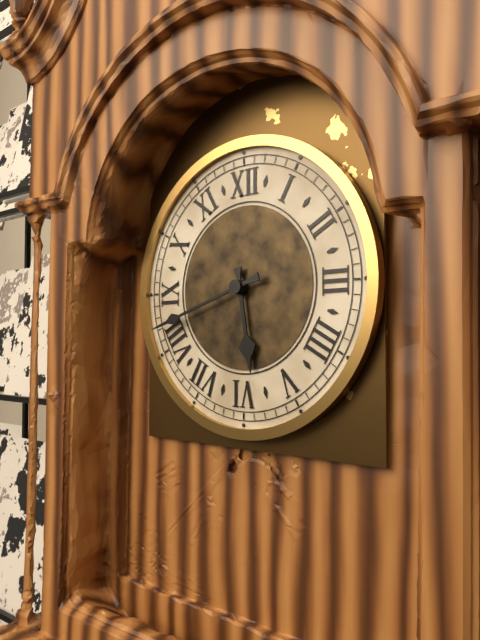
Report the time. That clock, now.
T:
5:42
